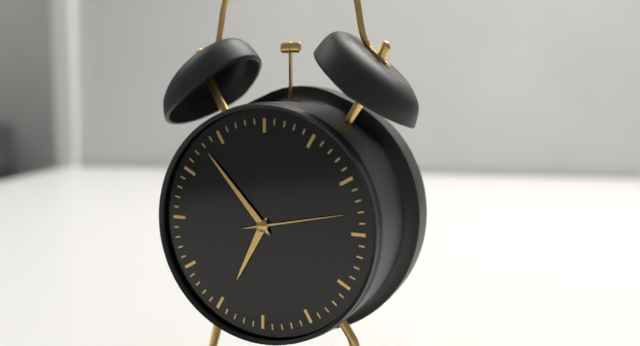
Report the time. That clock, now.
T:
6:53:13
